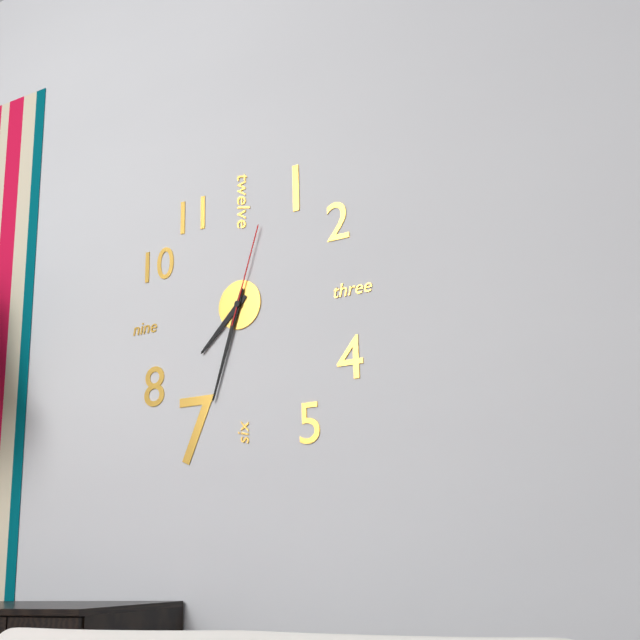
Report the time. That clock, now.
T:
7:33:03
